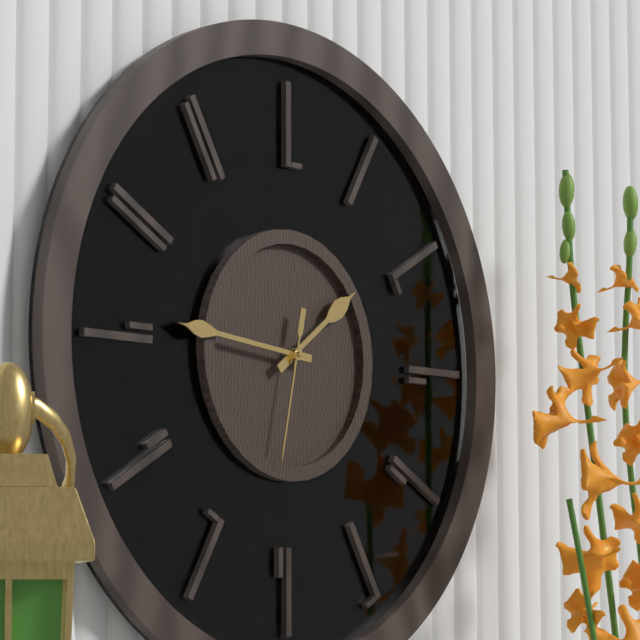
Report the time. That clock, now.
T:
1:46:32
